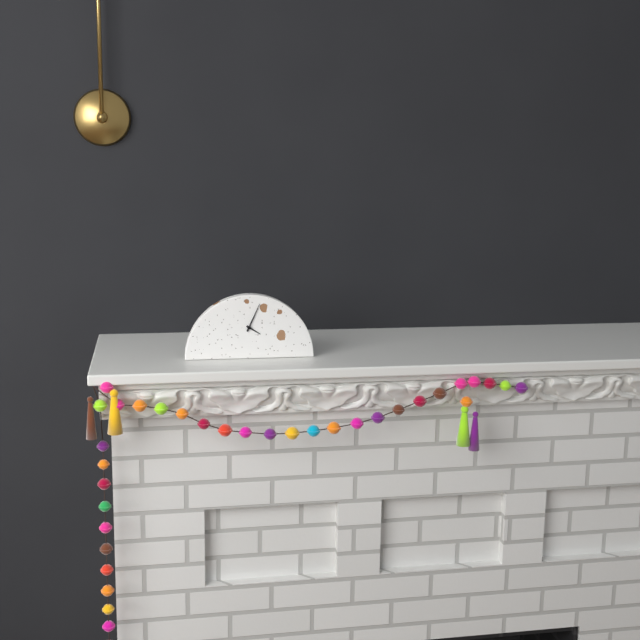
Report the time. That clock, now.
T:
4:04
